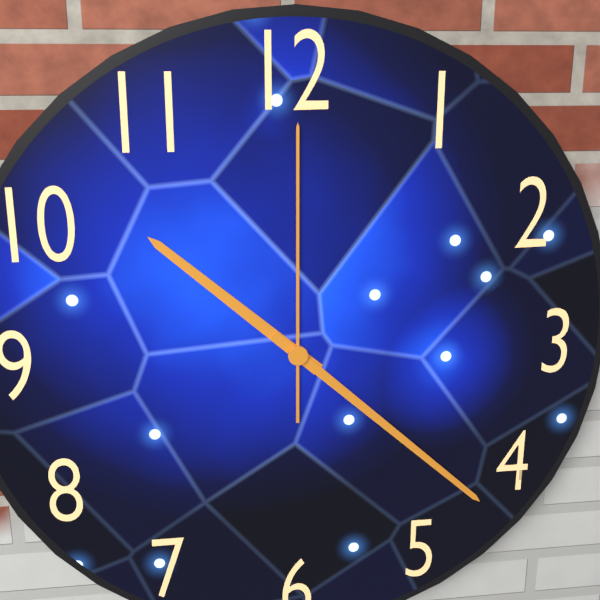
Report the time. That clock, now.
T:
10:22:00
